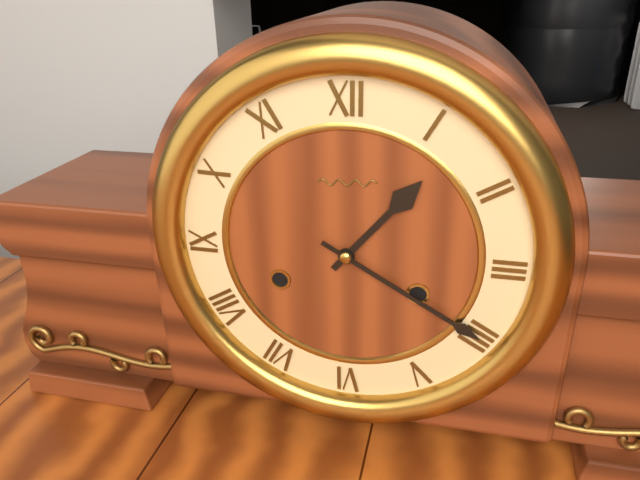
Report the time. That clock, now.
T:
1:20
